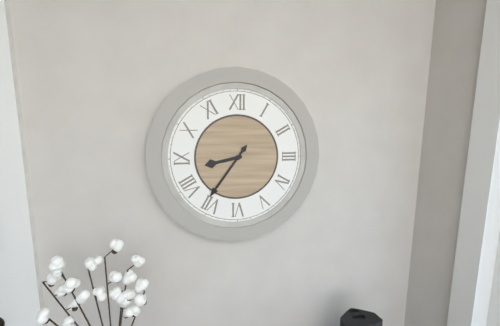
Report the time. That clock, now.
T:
8:36
